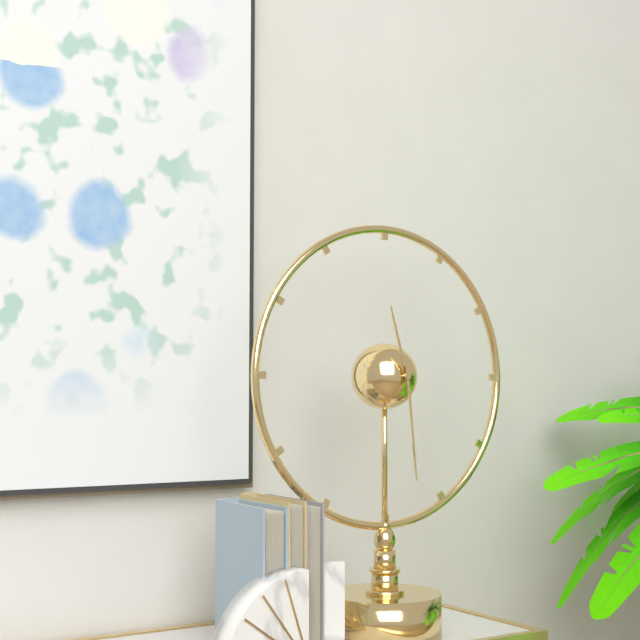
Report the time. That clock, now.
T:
11:29
